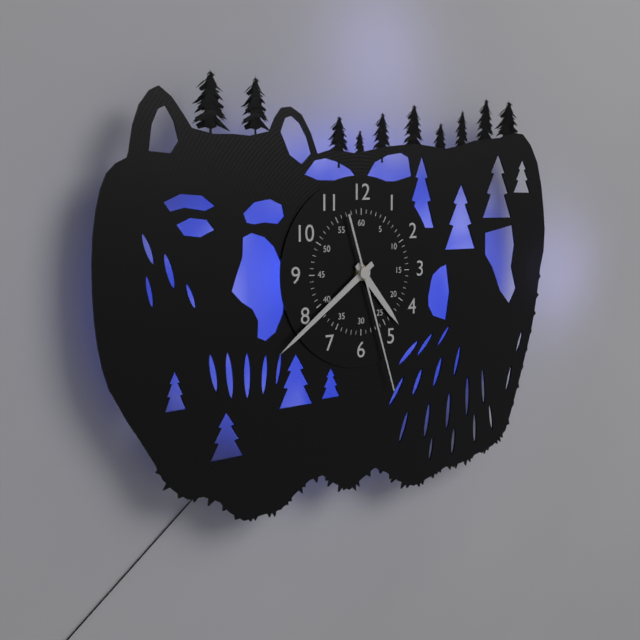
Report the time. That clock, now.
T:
4:39:27
